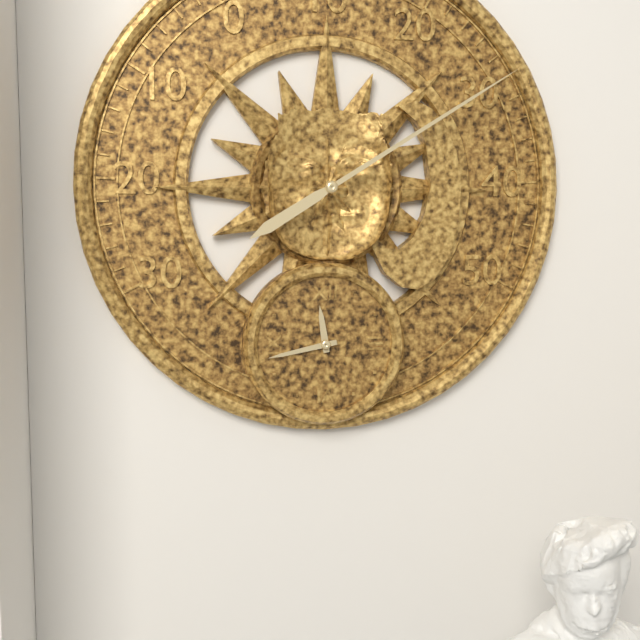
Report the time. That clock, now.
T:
11:43
